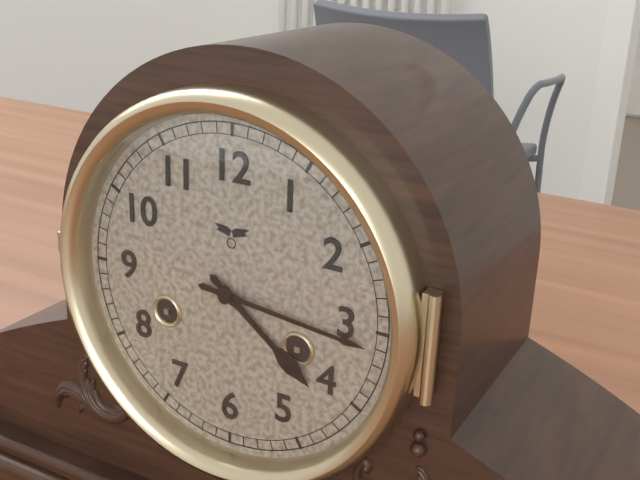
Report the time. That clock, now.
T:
4:16
